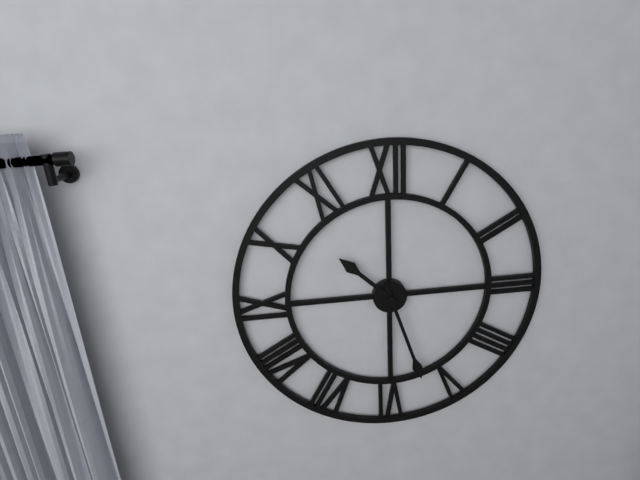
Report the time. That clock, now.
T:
10:27
